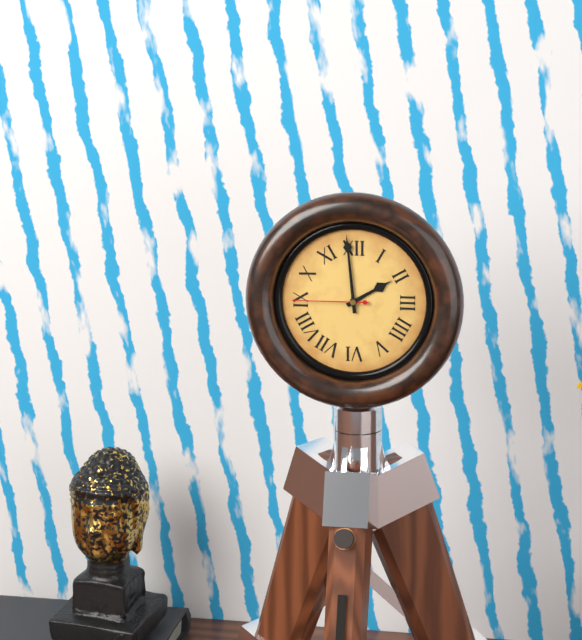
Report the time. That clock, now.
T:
1:59:45
